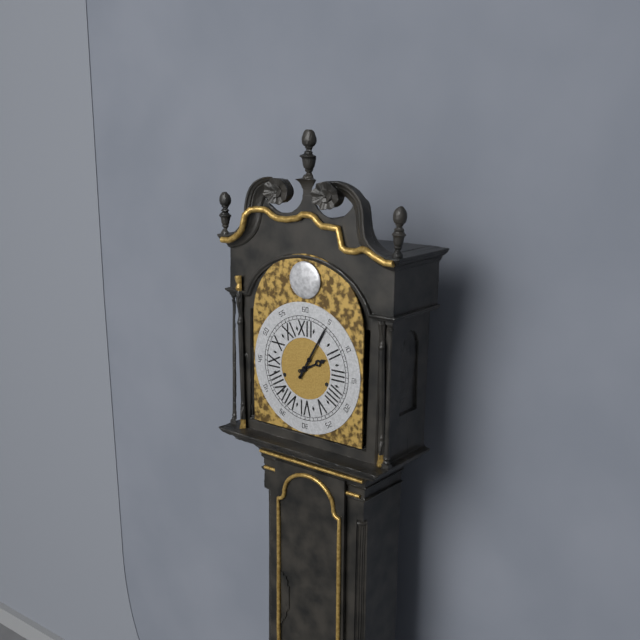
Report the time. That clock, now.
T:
2:05
